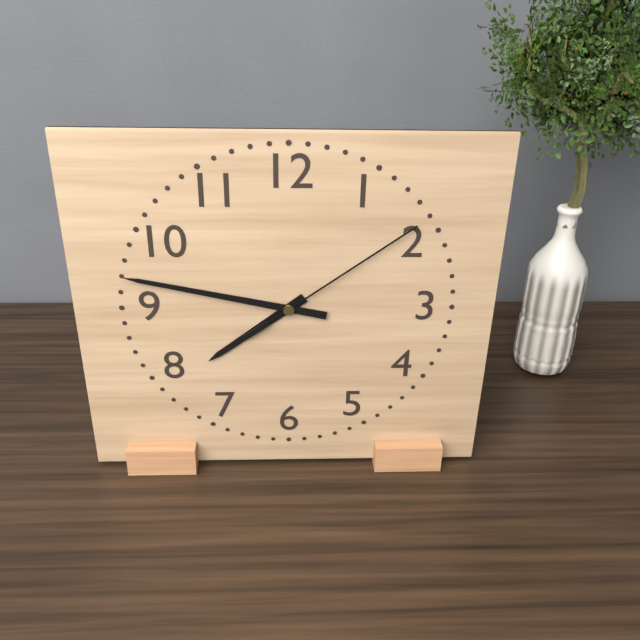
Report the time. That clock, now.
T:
7:47:09
